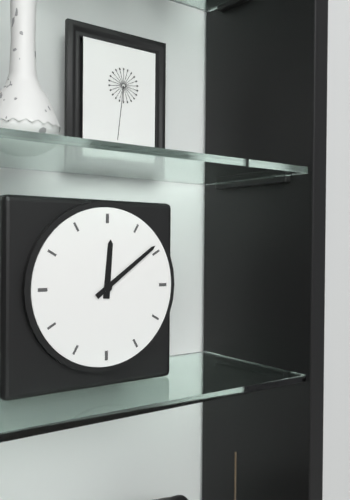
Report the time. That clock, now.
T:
12:09
